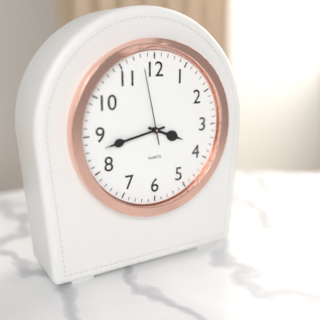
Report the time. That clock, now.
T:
3:43:58
